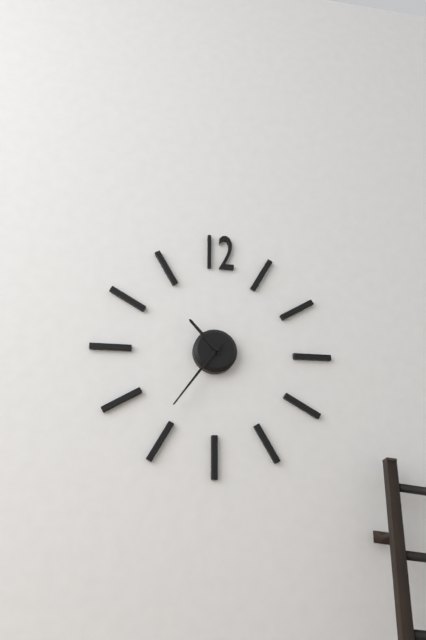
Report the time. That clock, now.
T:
10:36
